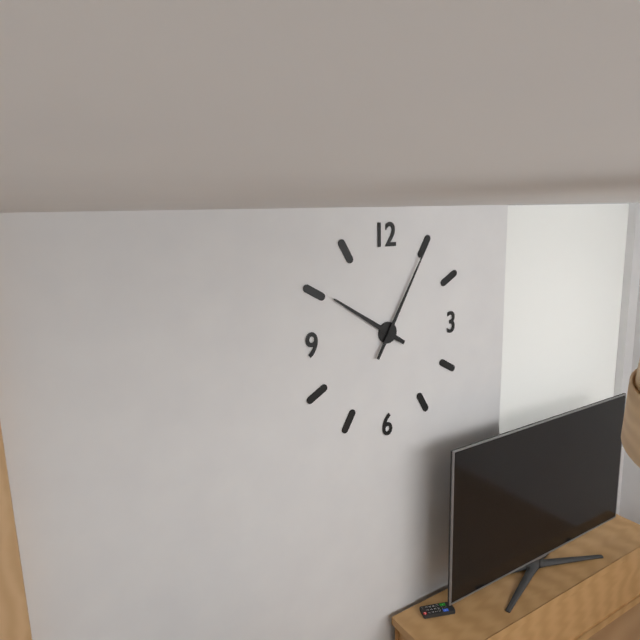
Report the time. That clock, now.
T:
10:05
